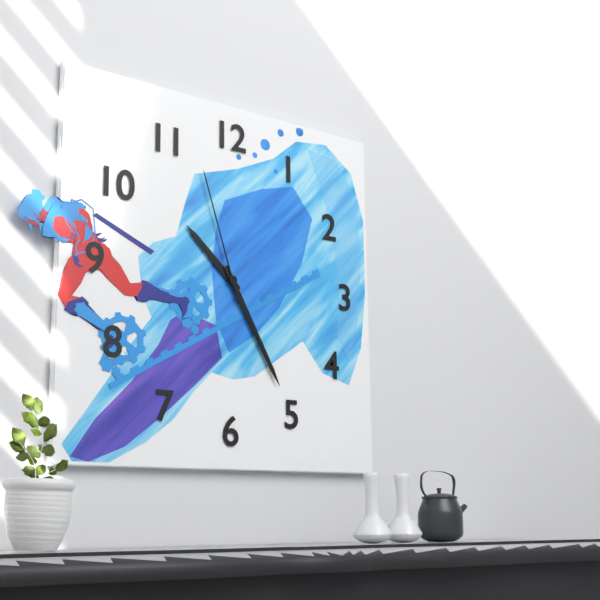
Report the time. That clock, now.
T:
10:25:57
